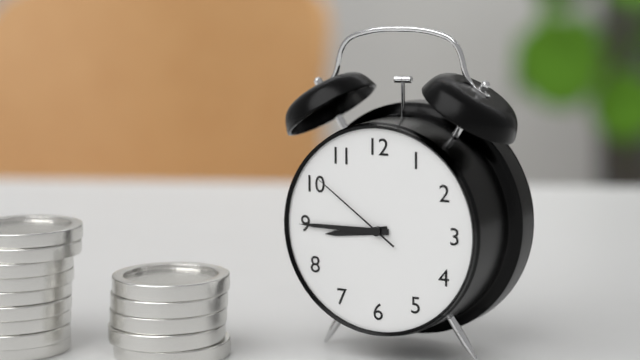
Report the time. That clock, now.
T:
8:45:51
